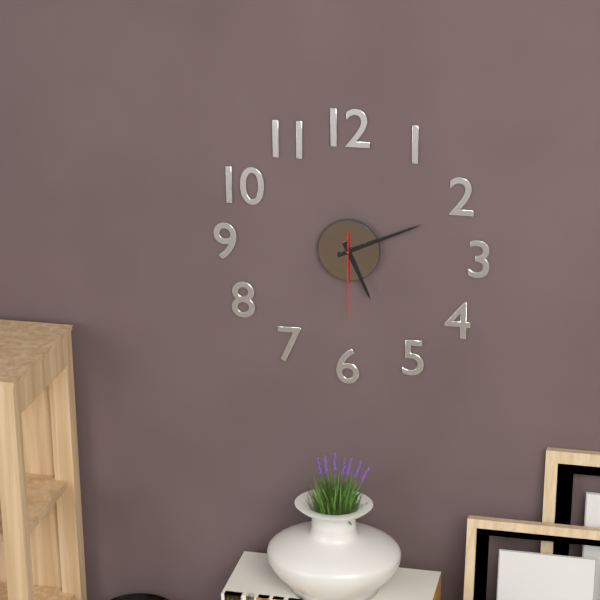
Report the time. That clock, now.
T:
5:11:30
